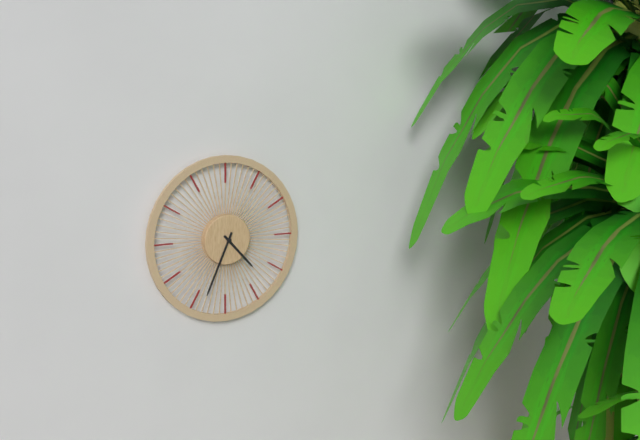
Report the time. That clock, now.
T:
4:34
